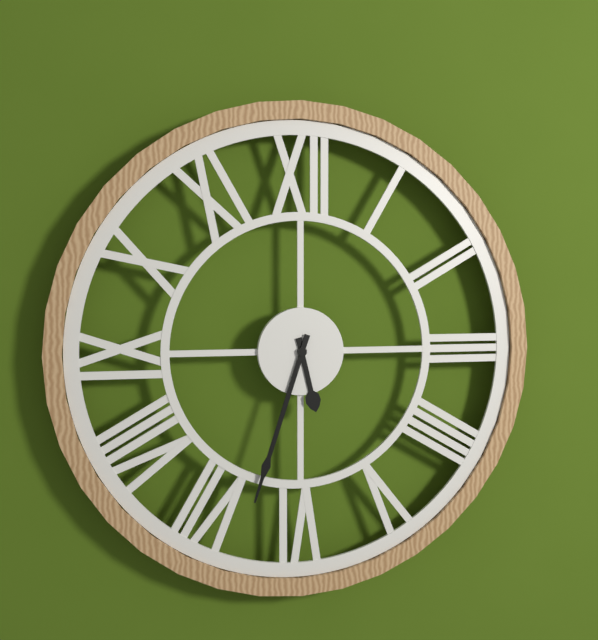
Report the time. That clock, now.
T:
5:33
